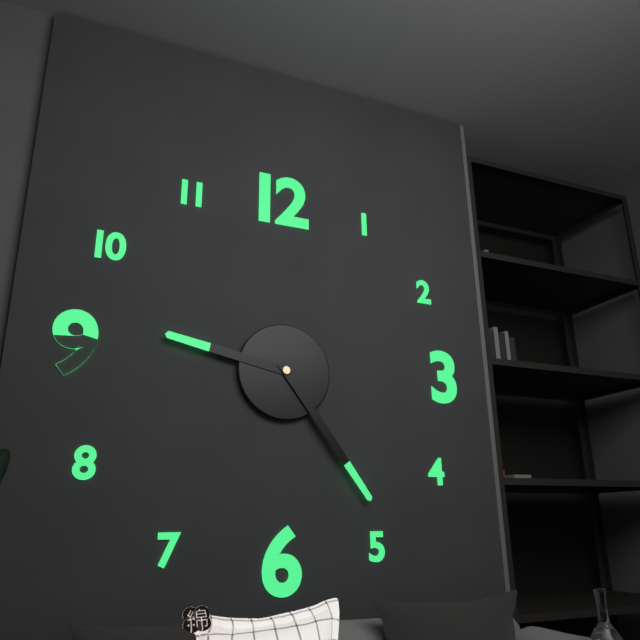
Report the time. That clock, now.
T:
9:24
